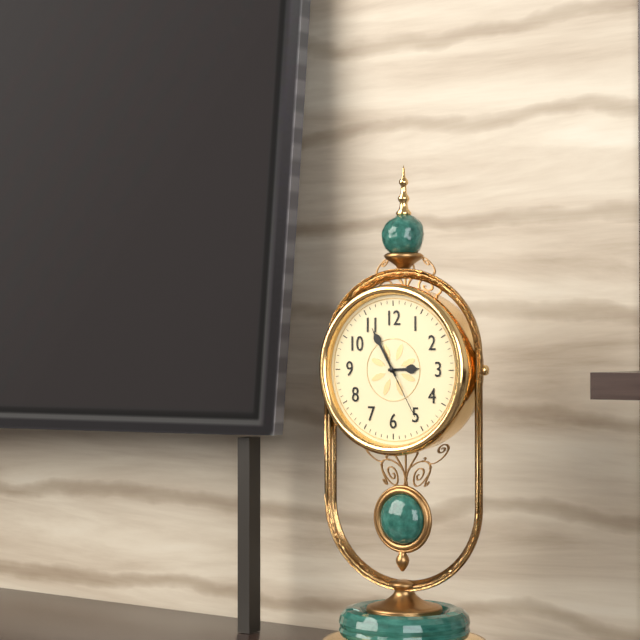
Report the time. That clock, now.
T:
2:55:25
